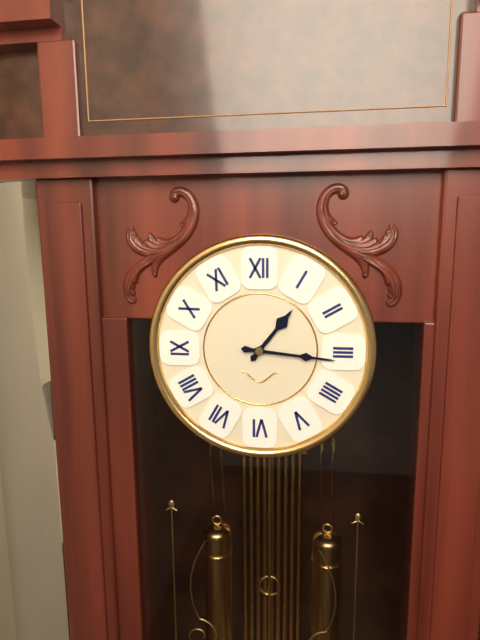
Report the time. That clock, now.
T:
1:16
